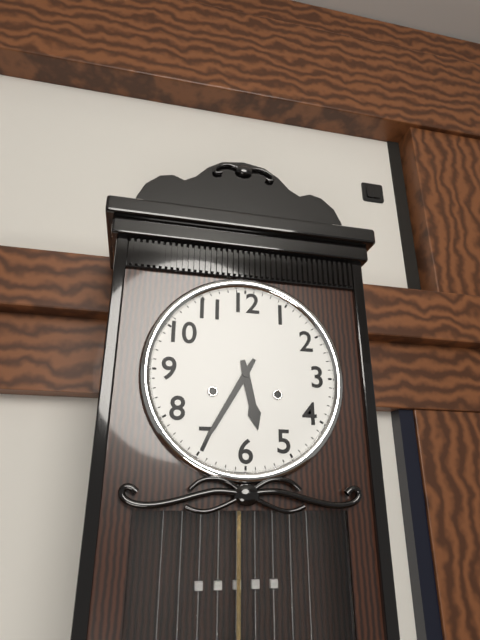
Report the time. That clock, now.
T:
5:35
